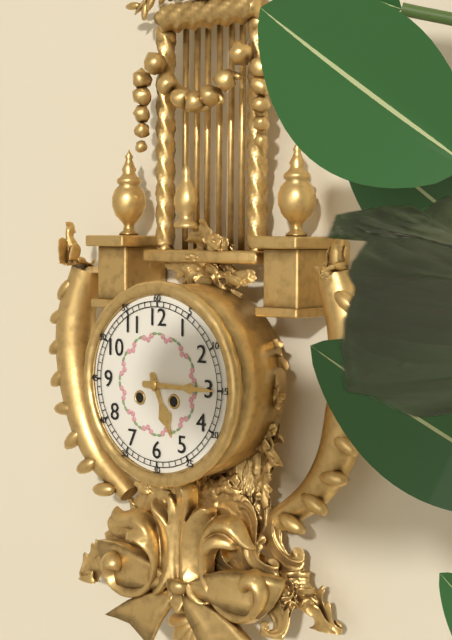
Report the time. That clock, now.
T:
5:15
